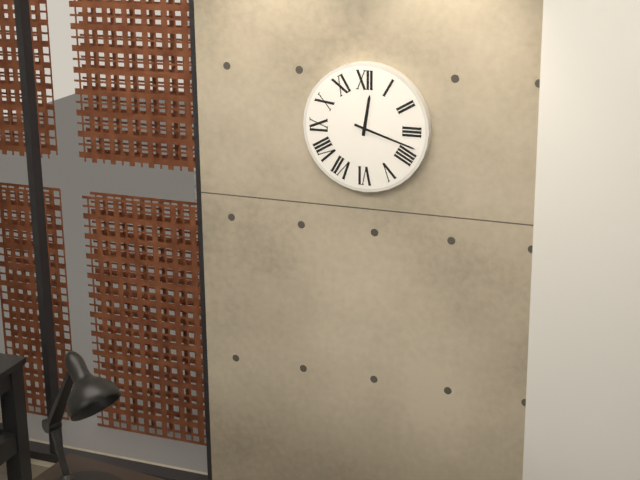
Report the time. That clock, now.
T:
12:18
